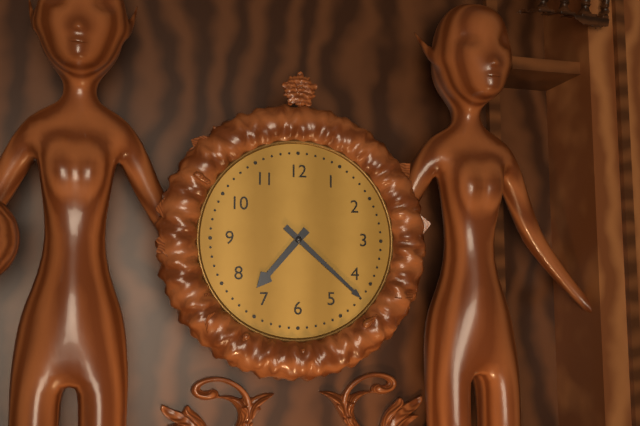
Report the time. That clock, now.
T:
7:22
